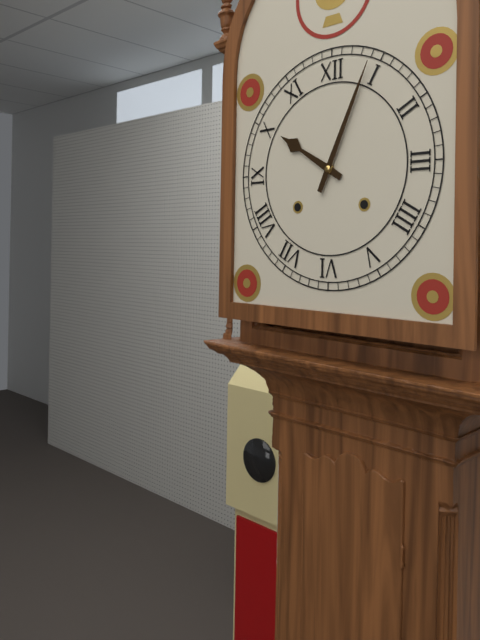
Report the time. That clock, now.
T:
10:04
